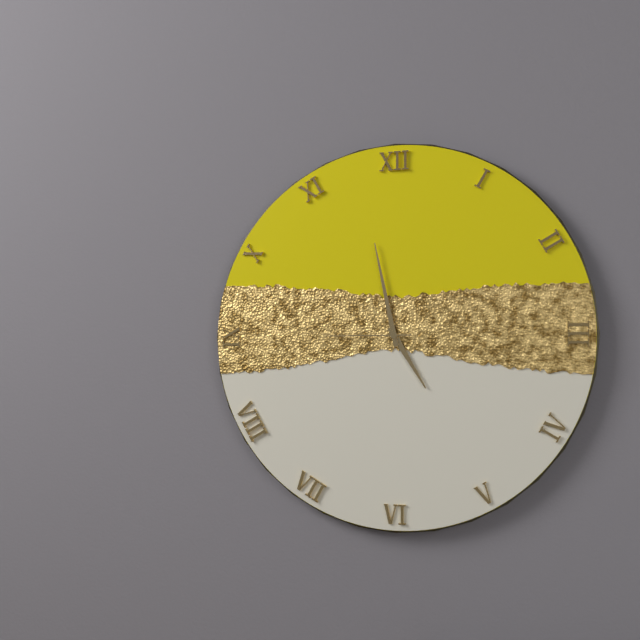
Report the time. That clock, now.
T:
4:58:45
